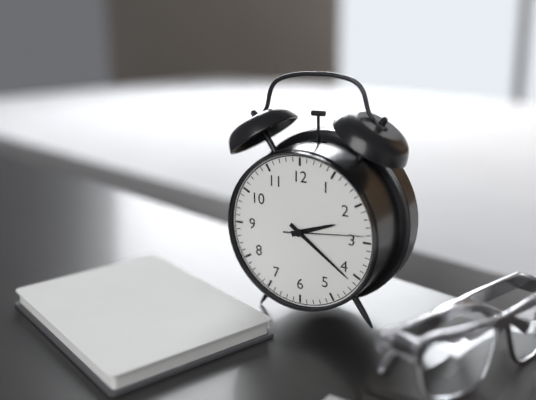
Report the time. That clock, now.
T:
2:21:14
